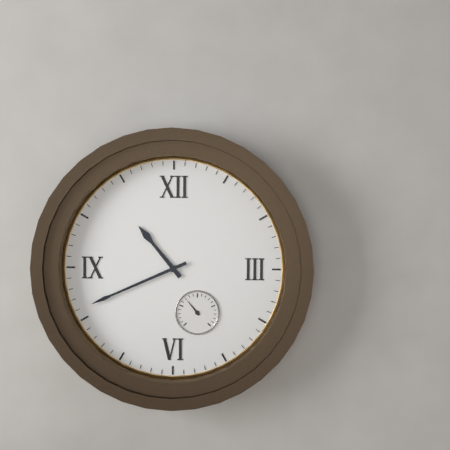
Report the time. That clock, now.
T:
10:41
